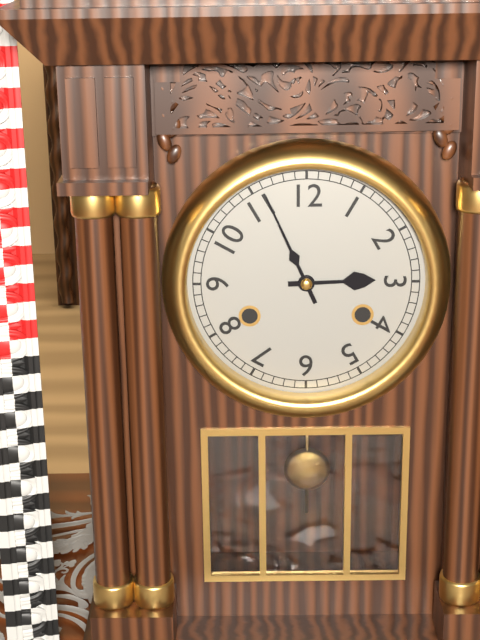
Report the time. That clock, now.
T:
2:56
